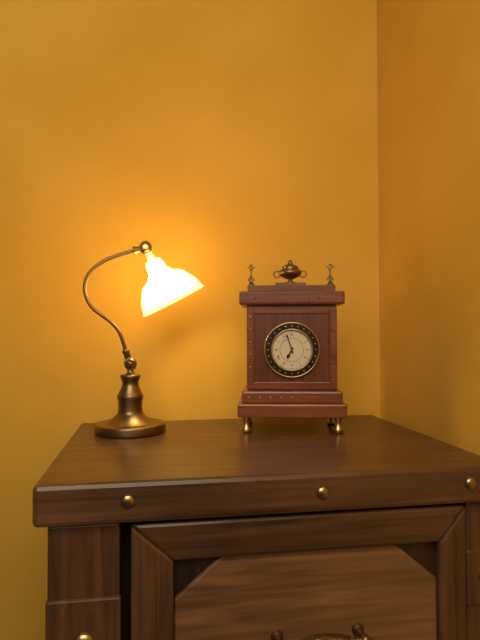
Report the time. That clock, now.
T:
6:57
